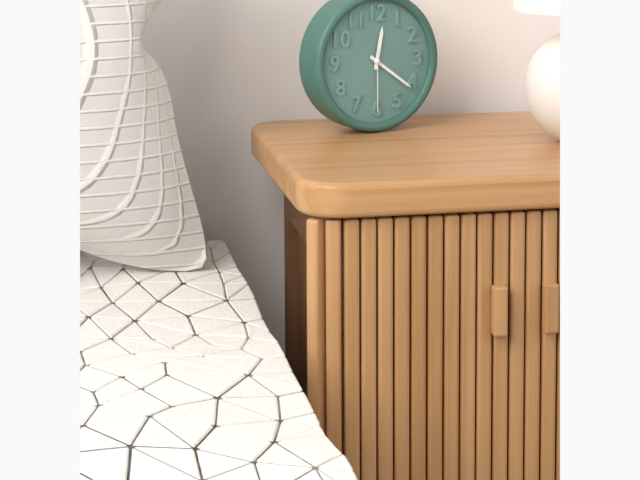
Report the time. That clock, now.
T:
12:21:30
